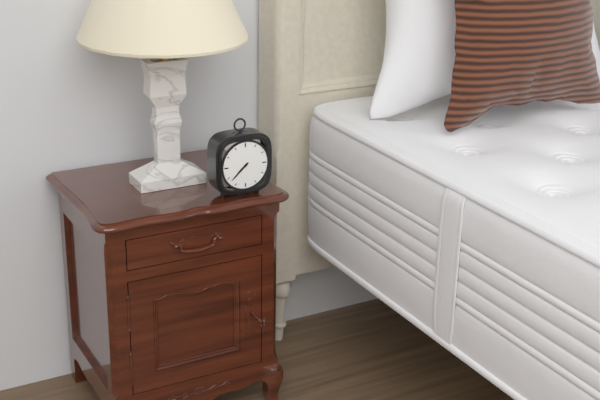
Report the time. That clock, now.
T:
7:38
